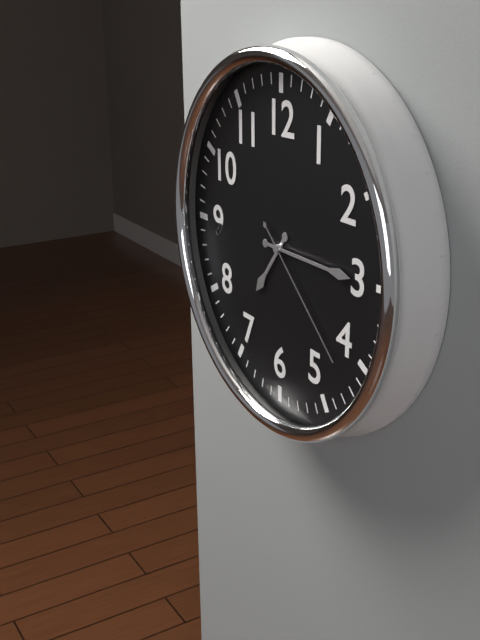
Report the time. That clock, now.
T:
7:15:22
